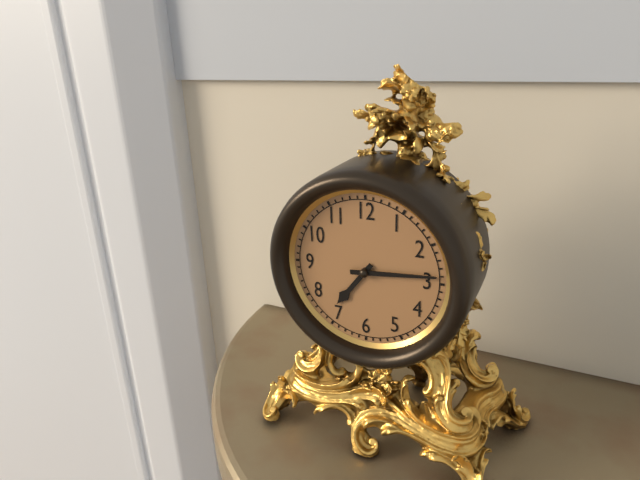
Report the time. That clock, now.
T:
7:14
